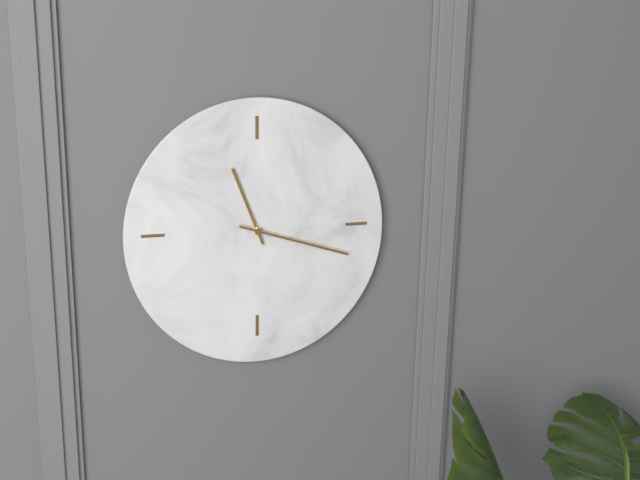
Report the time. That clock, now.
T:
11:18
